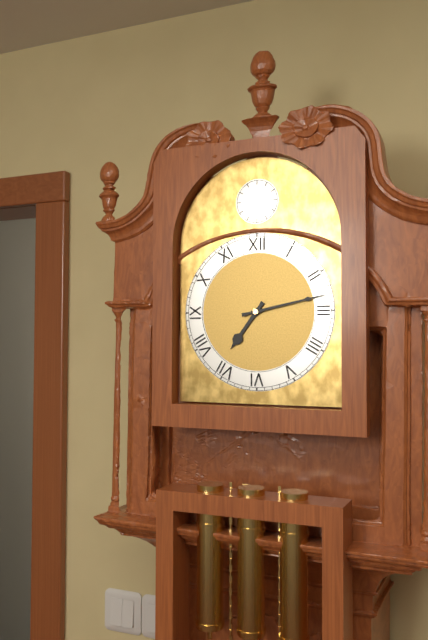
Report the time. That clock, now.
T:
7:13
